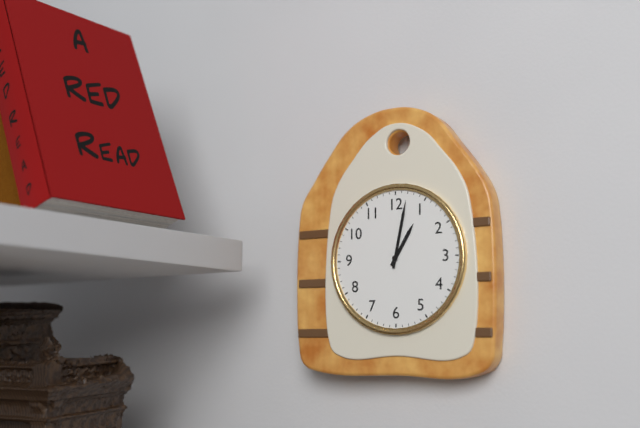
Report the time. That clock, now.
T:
1:02
